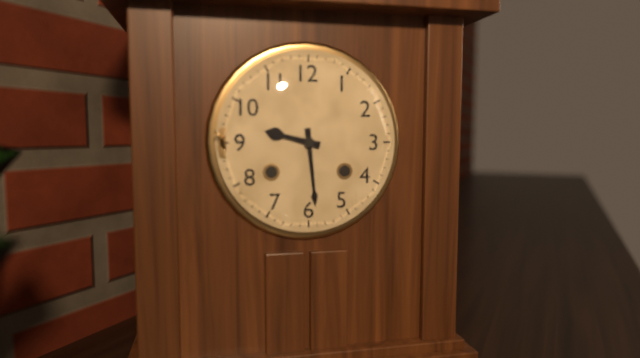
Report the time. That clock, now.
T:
9:29
